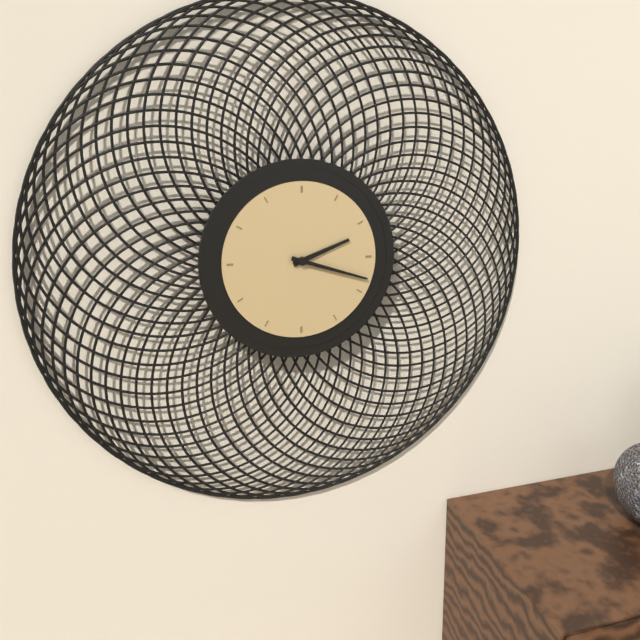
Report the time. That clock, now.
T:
2:18
